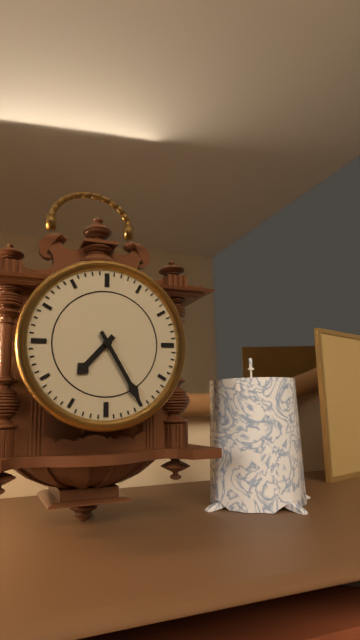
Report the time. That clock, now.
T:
7:25
